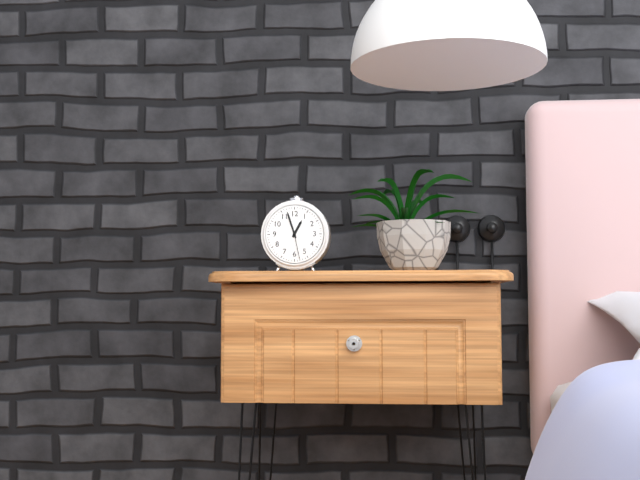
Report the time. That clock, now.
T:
12:57
